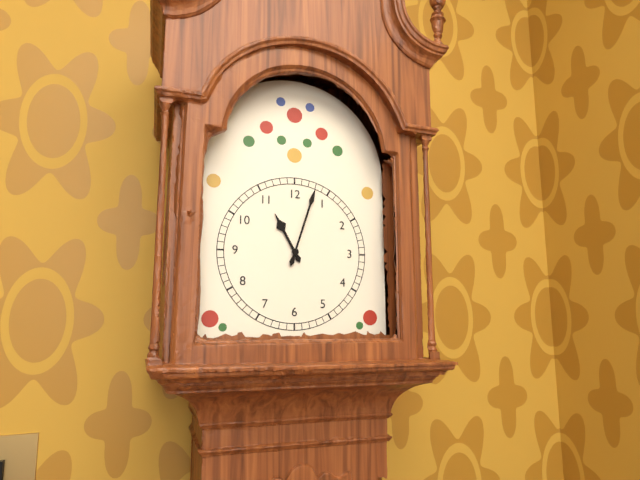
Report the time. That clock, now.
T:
11:03
